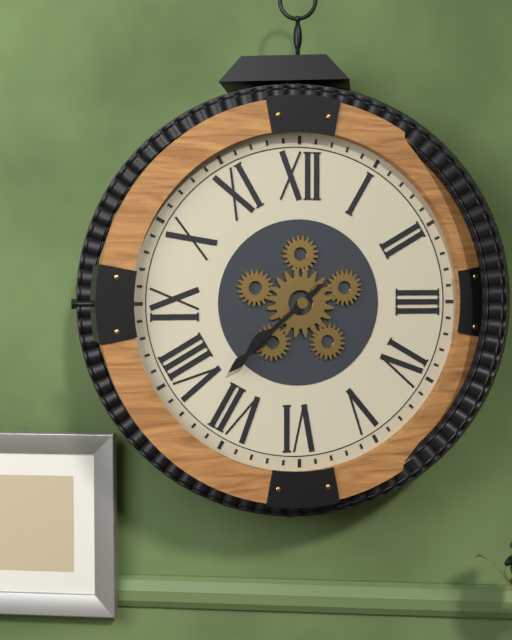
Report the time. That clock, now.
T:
7:38
